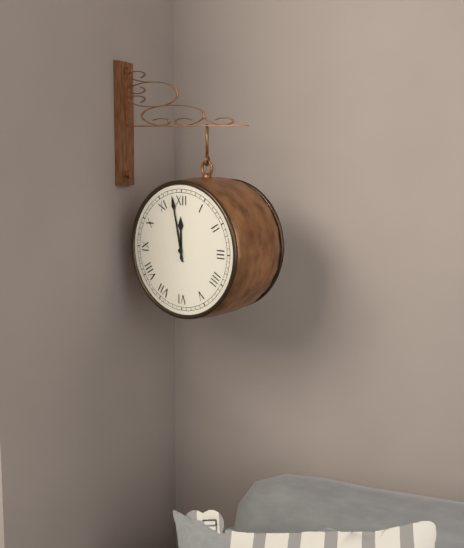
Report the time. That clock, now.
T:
11:58
